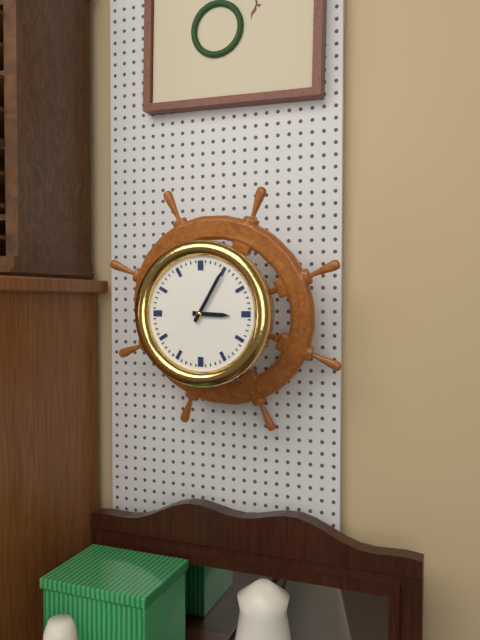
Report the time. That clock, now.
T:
3:05
